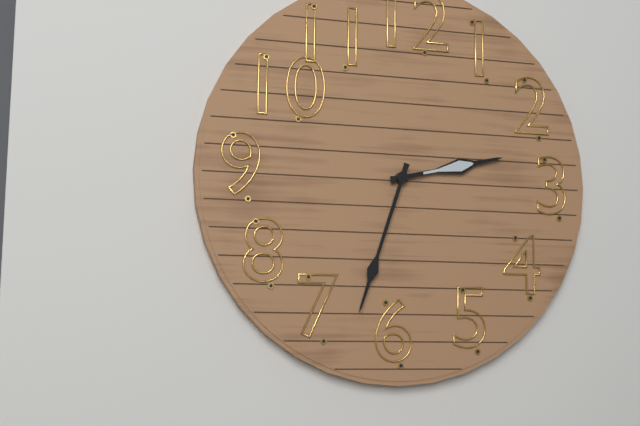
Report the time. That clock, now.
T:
2:33
